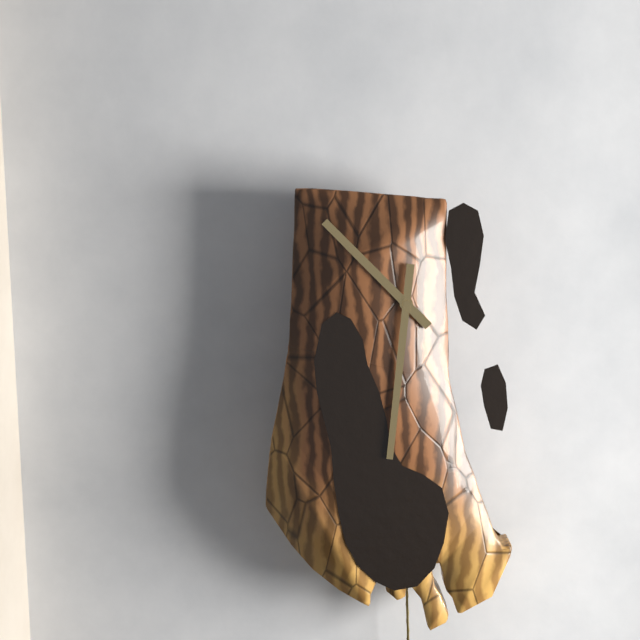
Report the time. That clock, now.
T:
10:31
